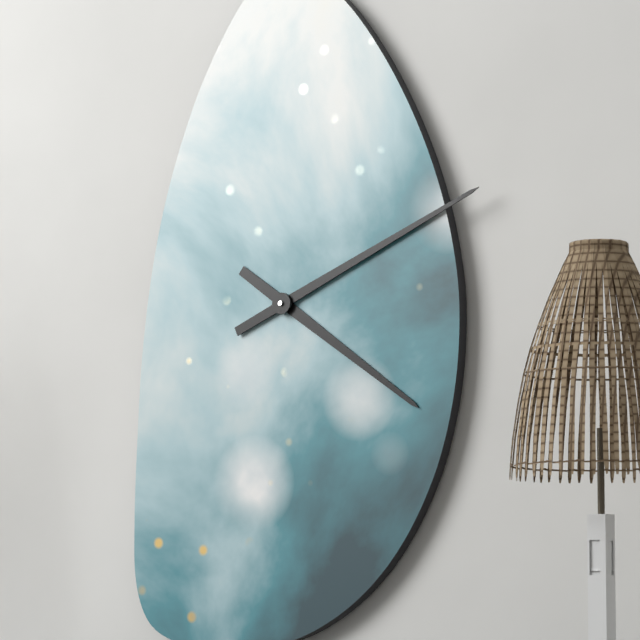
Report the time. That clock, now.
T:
4:11
